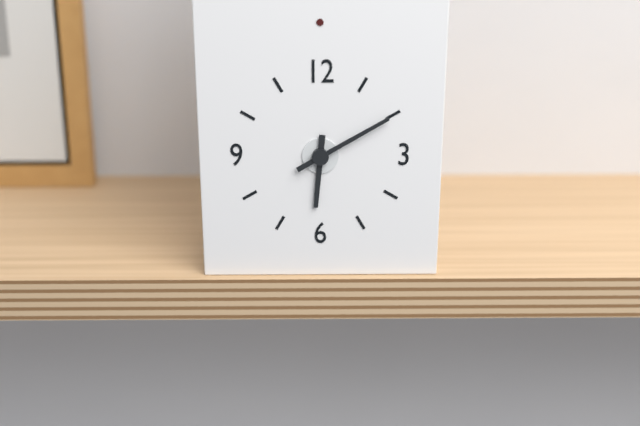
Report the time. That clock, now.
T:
6:10
